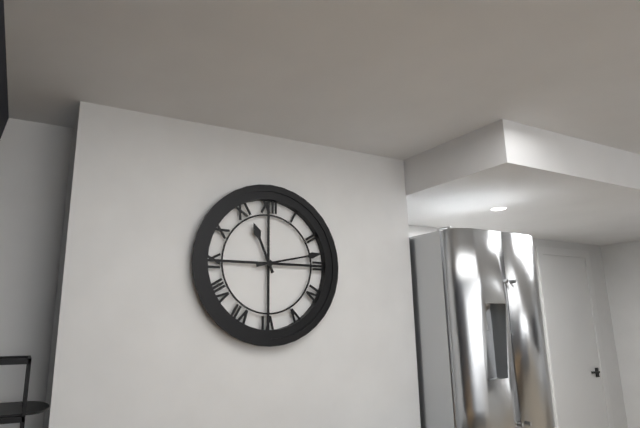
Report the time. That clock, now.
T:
11:13
